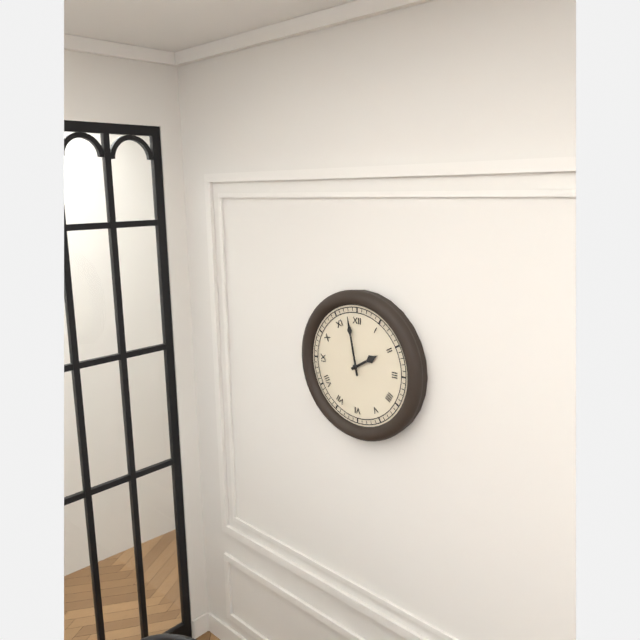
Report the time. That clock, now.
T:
1:58
